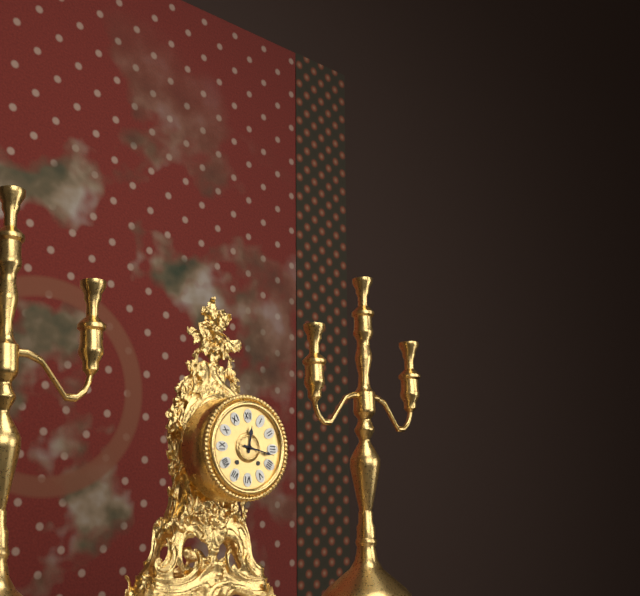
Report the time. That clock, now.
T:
12:17
